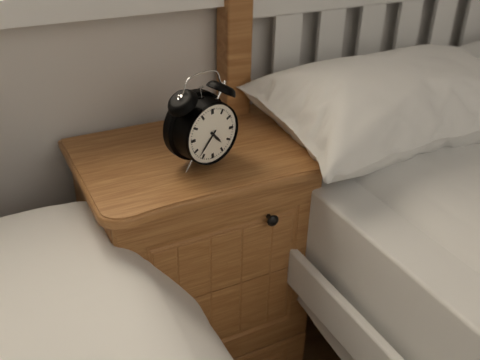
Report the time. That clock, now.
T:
4:37
